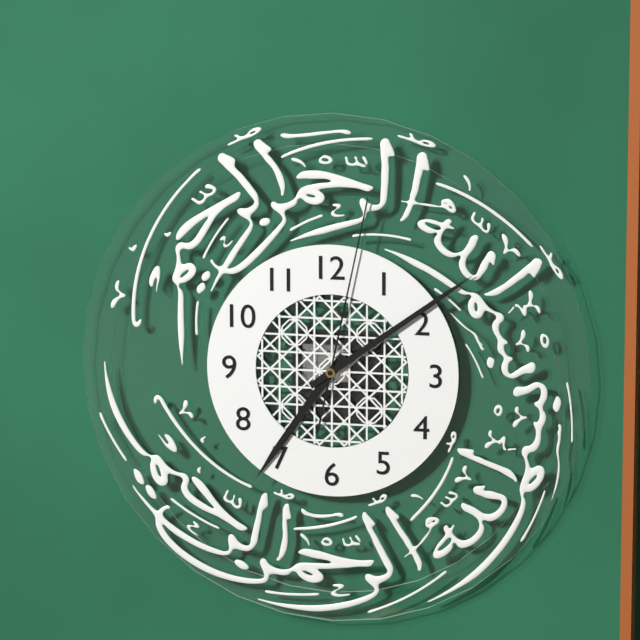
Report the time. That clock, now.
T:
7:09:02
